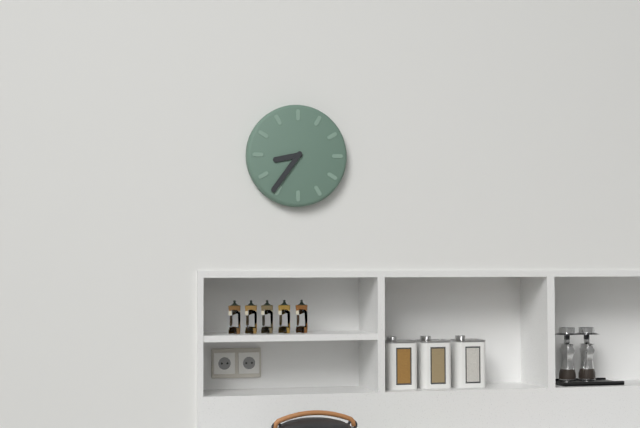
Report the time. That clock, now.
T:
8:36
